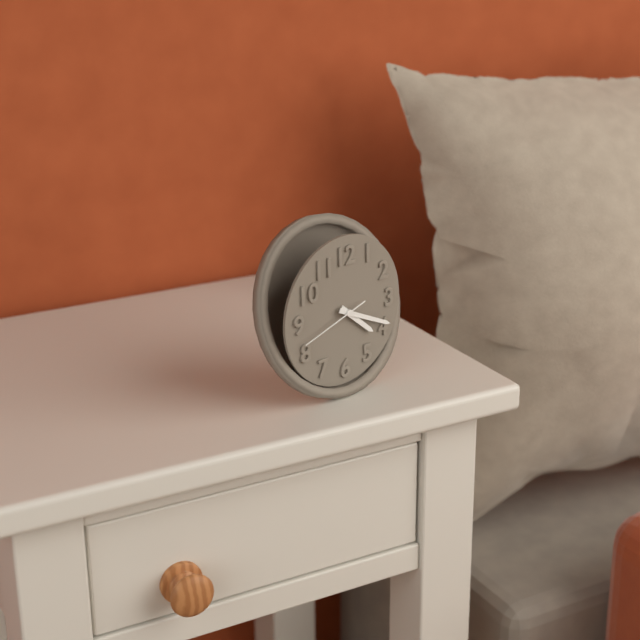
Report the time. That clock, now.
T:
4:19:42
